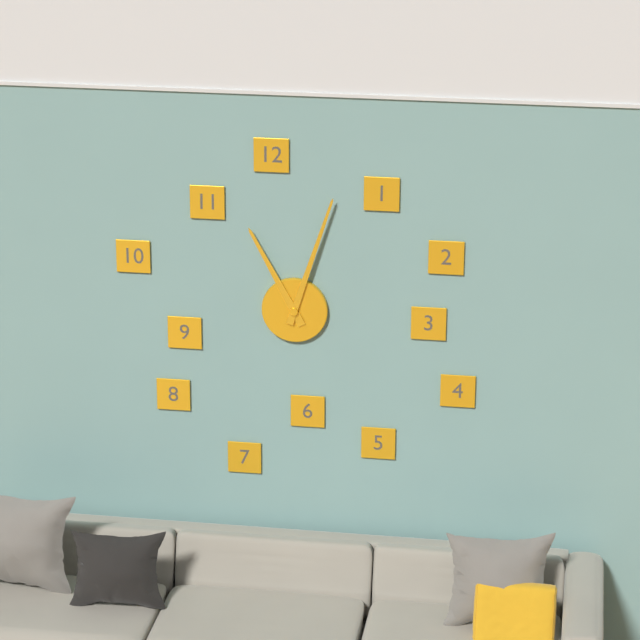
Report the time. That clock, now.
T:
11:03
